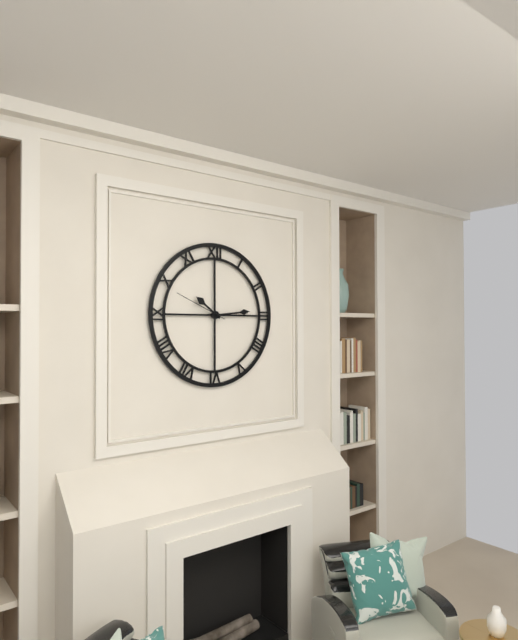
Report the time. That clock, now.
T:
10:14:49
